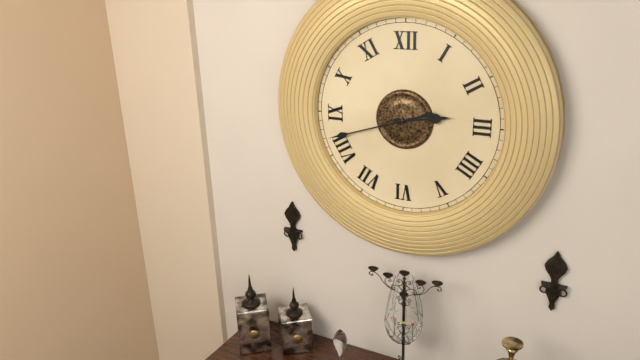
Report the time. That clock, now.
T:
2:42
